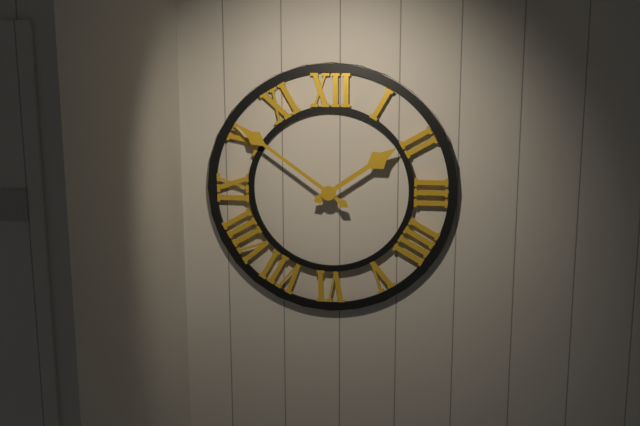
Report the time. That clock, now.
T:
1:51
